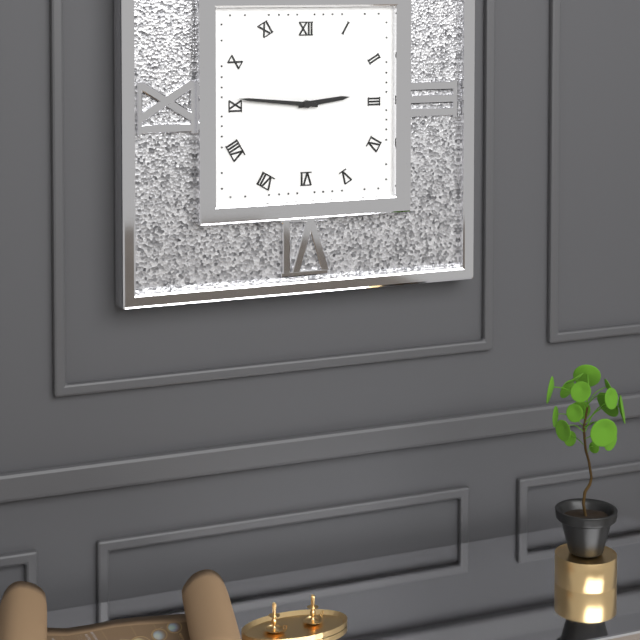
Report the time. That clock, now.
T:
2:46
